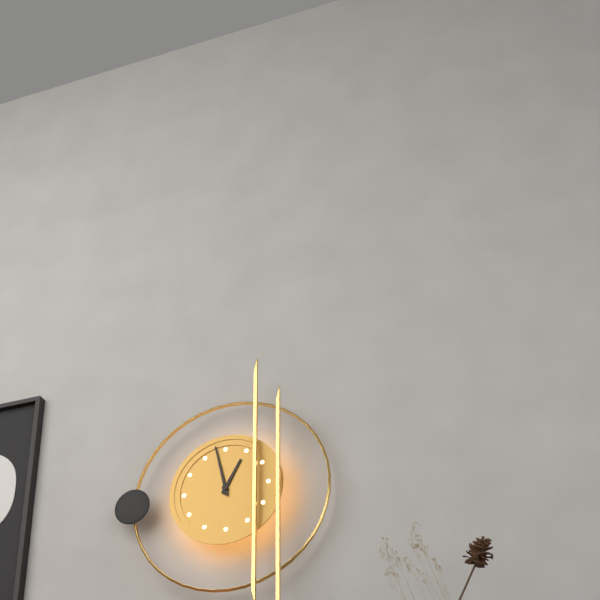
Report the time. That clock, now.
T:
12:58
